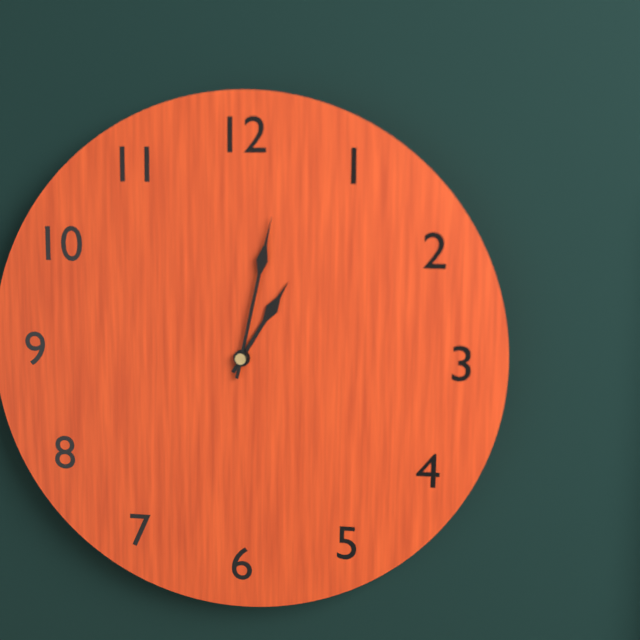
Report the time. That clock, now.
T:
1:02
